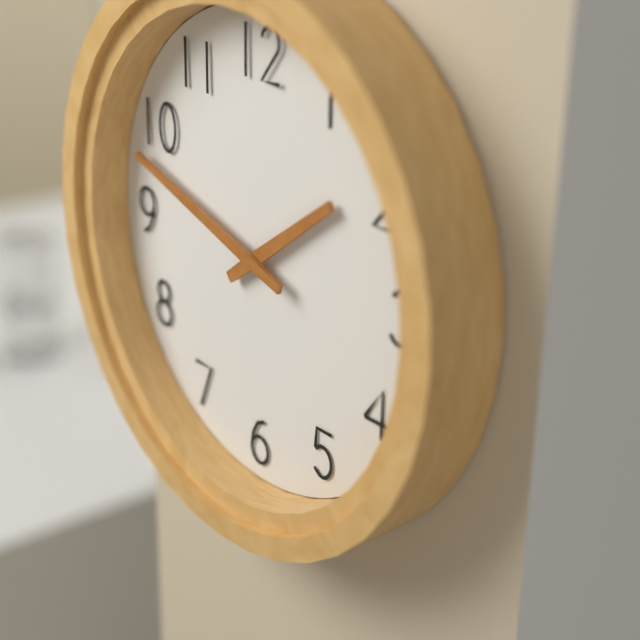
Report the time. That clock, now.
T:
1:48
